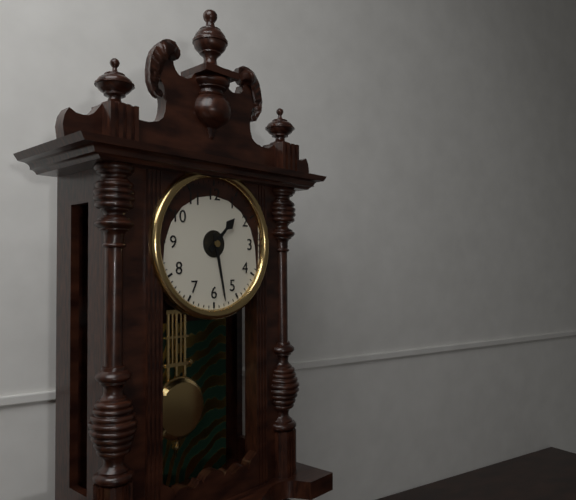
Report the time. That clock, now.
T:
1:28
